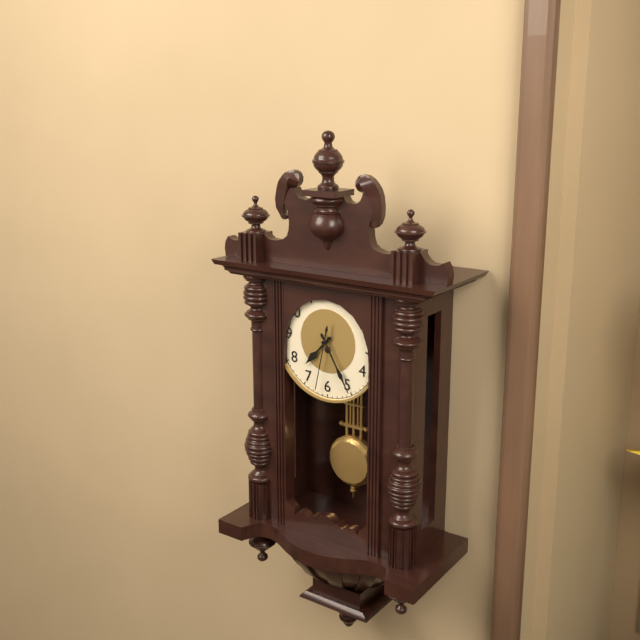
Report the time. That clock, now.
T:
7:25:32
